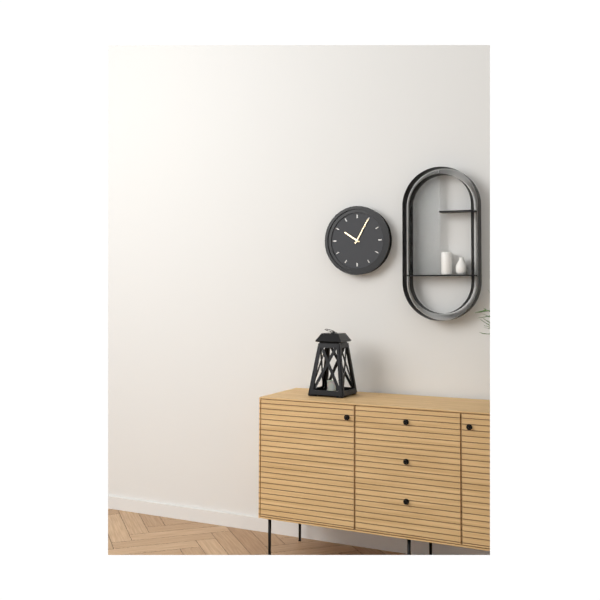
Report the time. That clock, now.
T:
10:05
